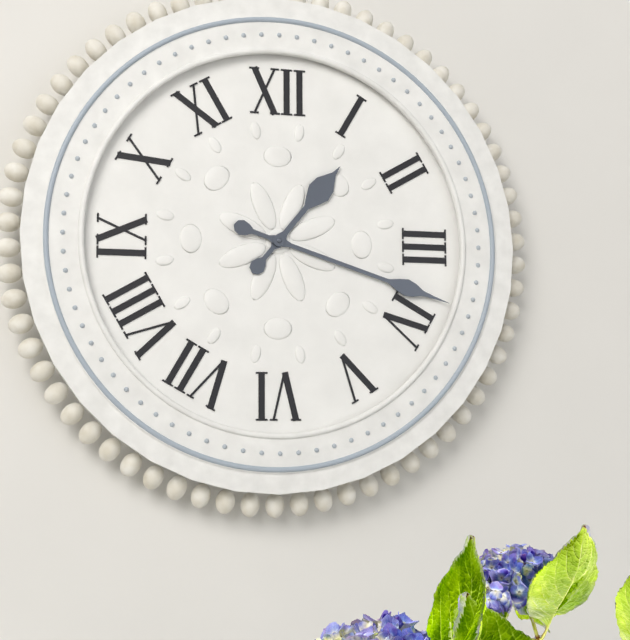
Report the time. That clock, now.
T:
1:18
